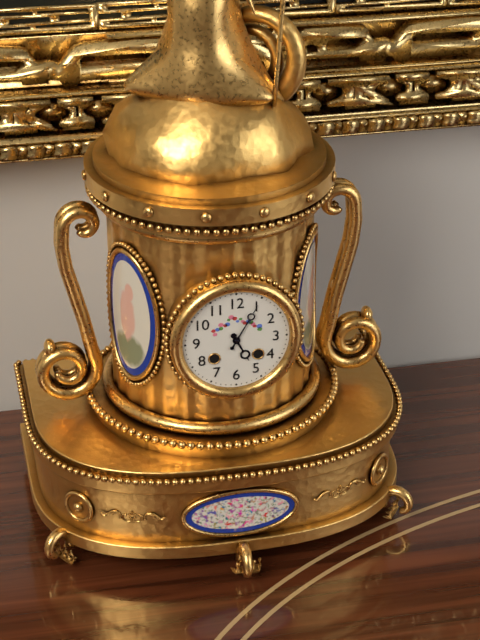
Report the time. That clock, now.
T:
5:05
